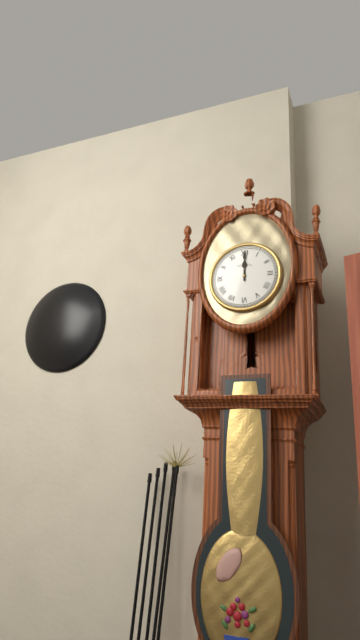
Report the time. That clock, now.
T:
12:00
